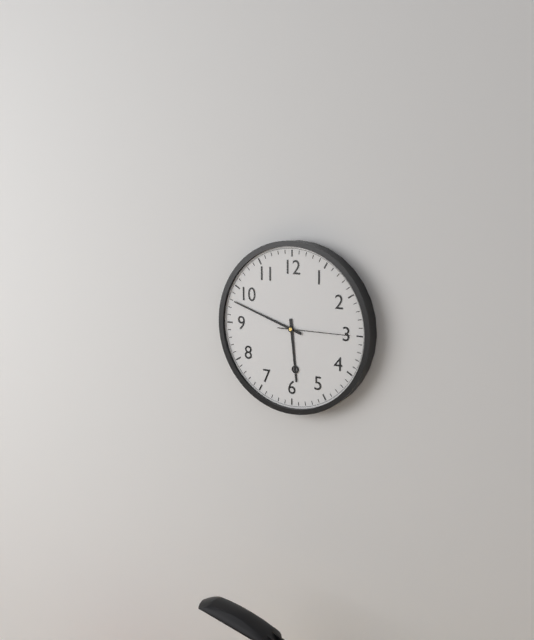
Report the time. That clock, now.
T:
5:48:15
